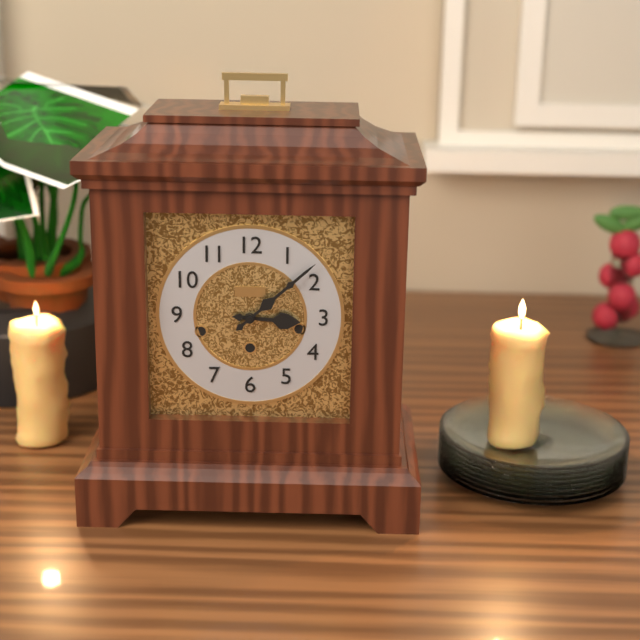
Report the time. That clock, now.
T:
3:08
